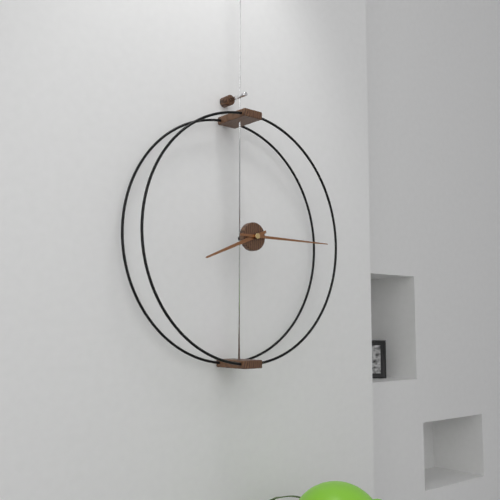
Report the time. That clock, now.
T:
8:15
